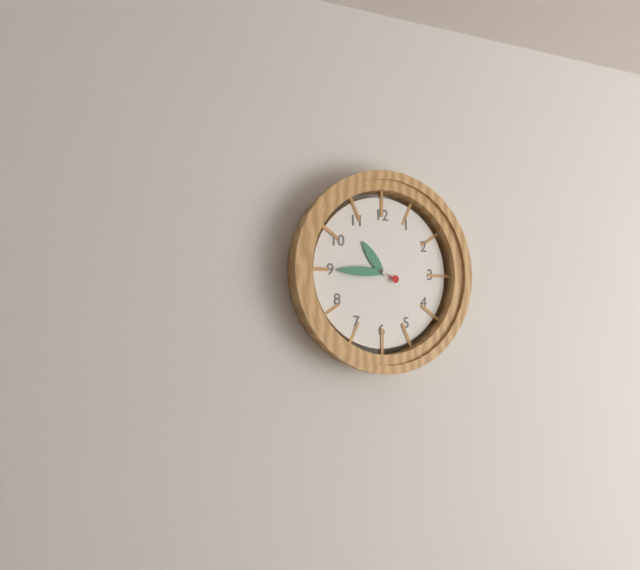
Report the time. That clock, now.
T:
10:45
